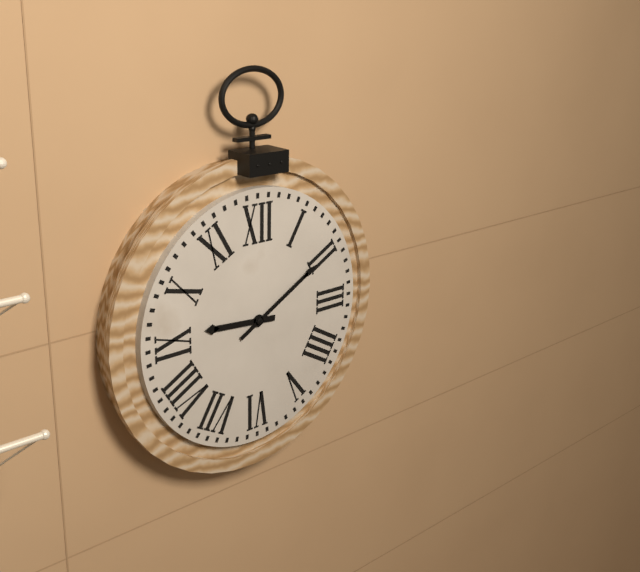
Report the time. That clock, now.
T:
9:10
